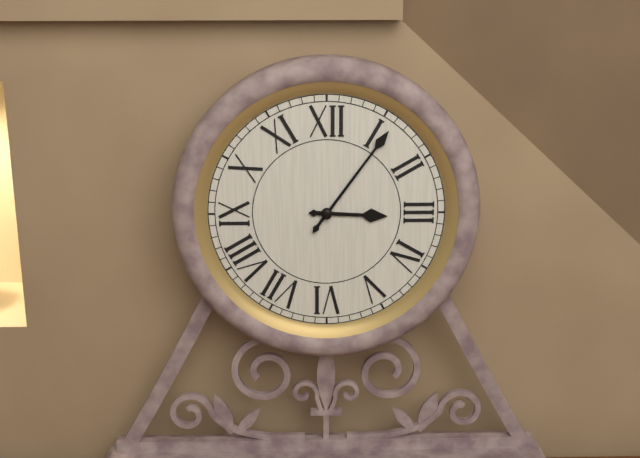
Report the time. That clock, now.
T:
3:06
